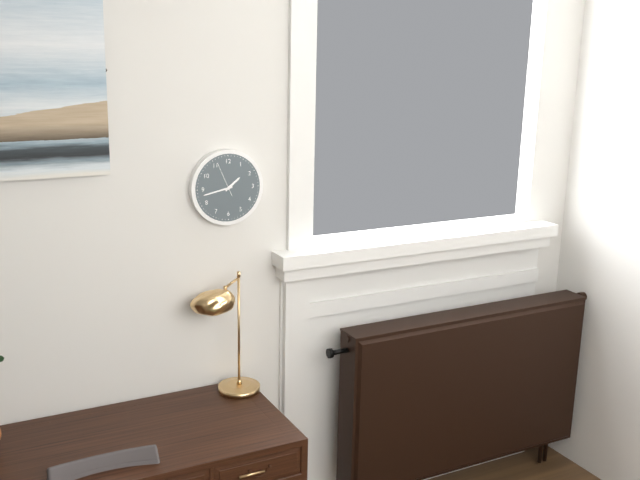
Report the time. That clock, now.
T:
1:43
